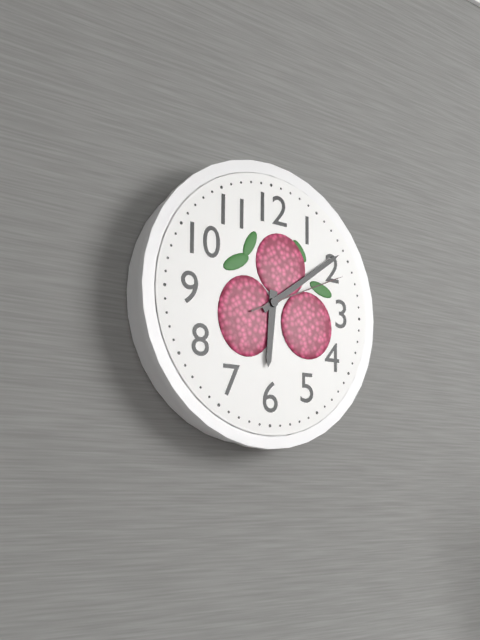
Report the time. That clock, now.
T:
6:09:11
